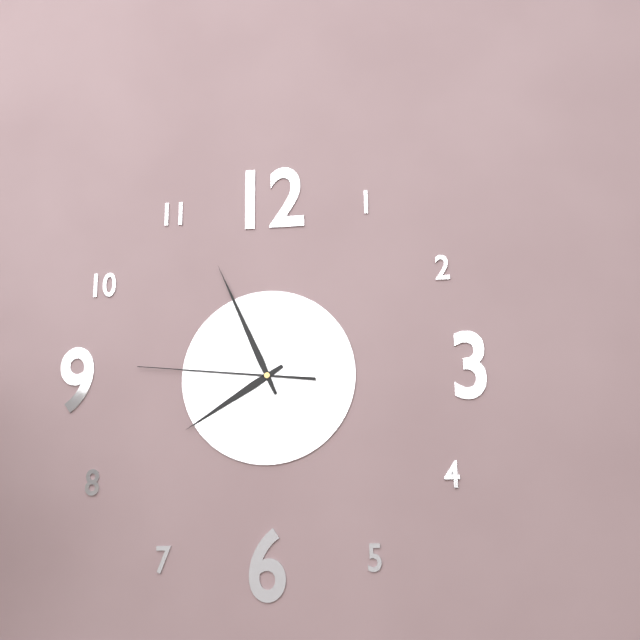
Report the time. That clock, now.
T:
7:56:46
